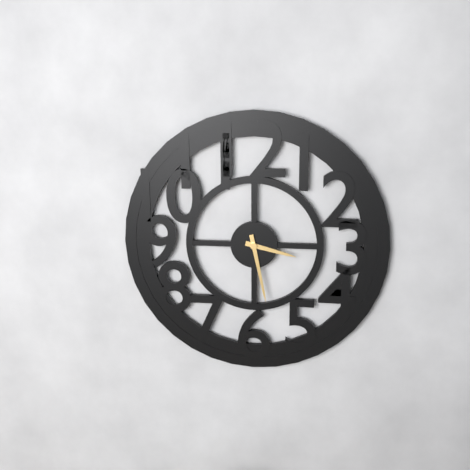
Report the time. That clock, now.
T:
3:28
